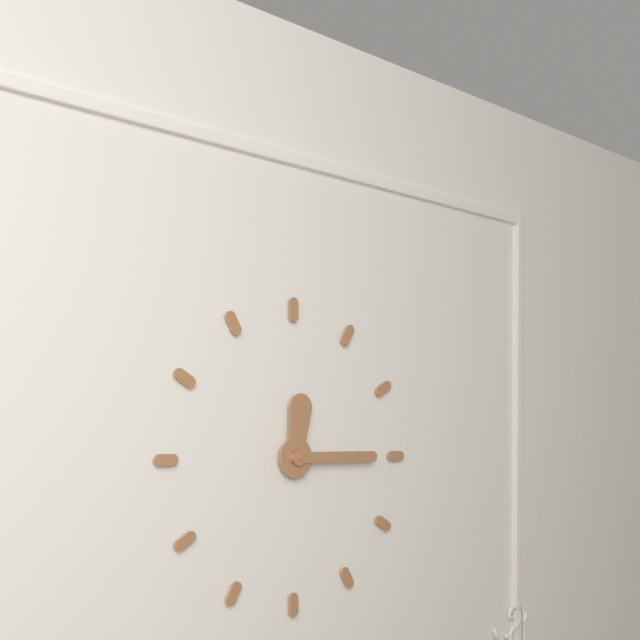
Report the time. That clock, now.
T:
12:15
